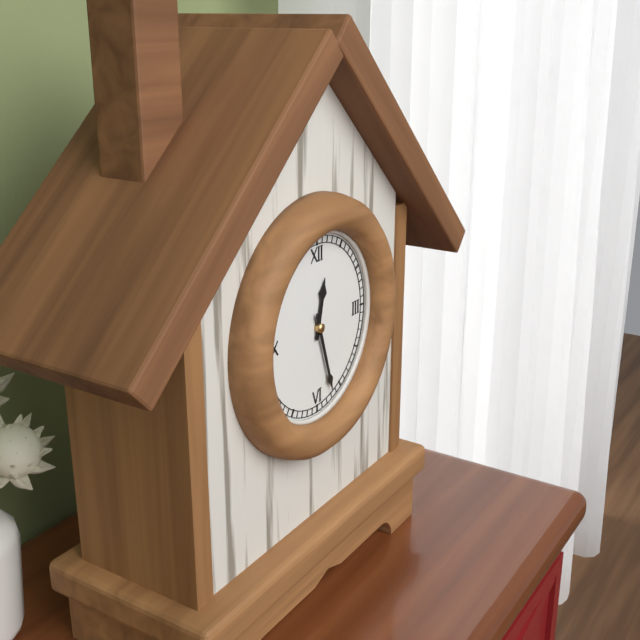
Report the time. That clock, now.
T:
12:27
